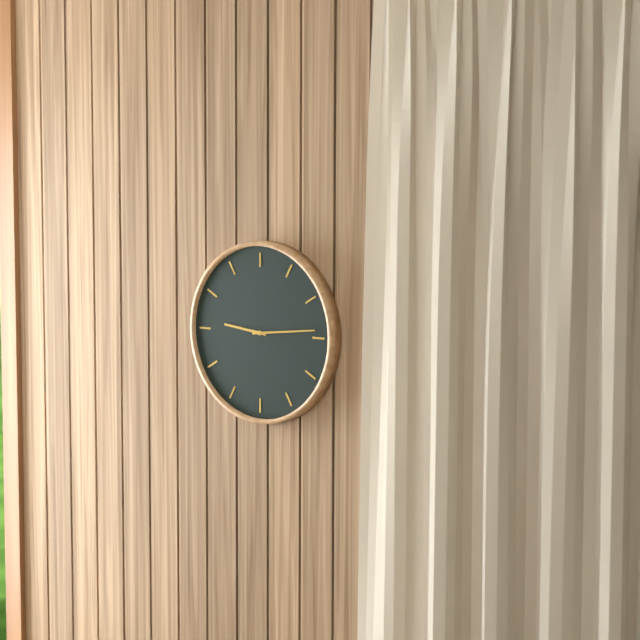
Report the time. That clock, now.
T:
9:14
